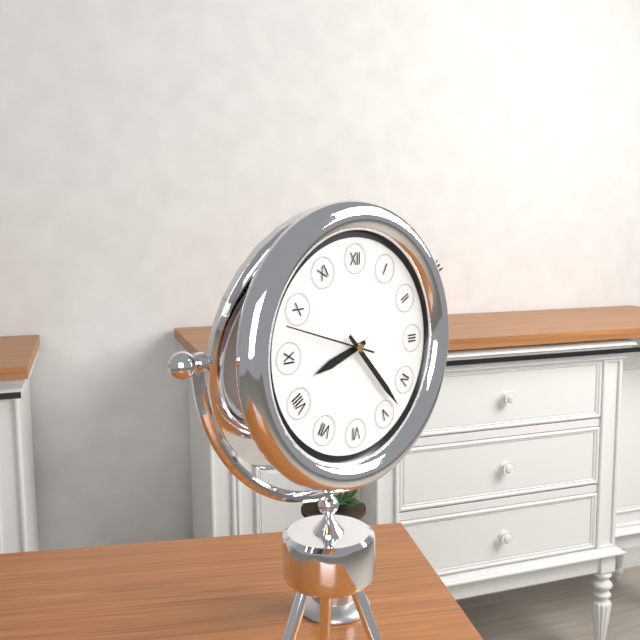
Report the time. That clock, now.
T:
8:23:48
